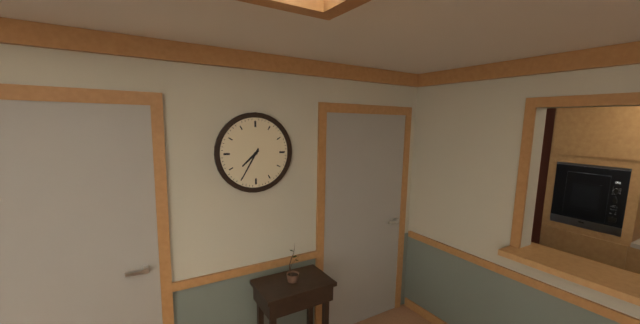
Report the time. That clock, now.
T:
7:35
